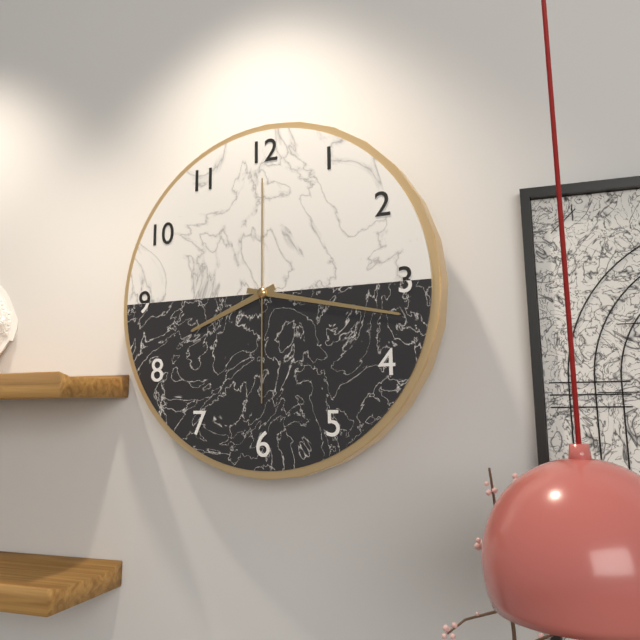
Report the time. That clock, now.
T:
8:17:00
